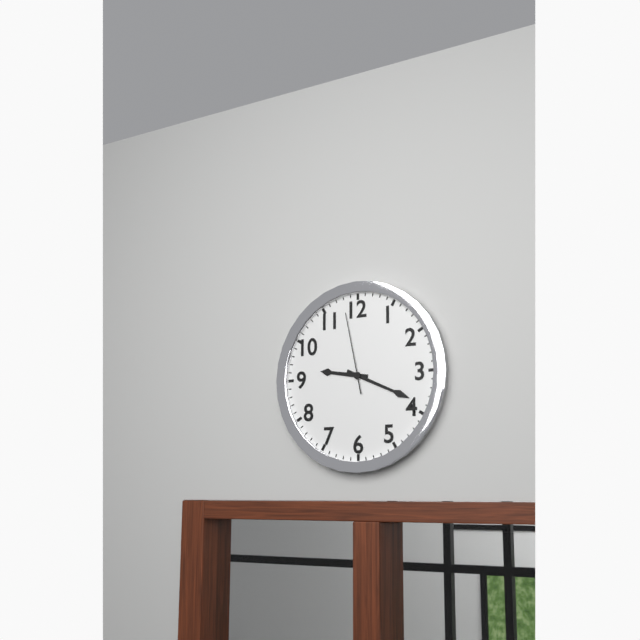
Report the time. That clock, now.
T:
9:19:58
